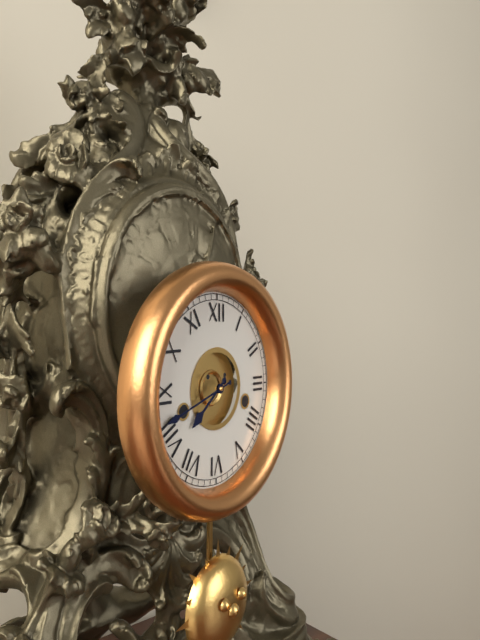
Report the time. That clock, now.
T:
7:42
